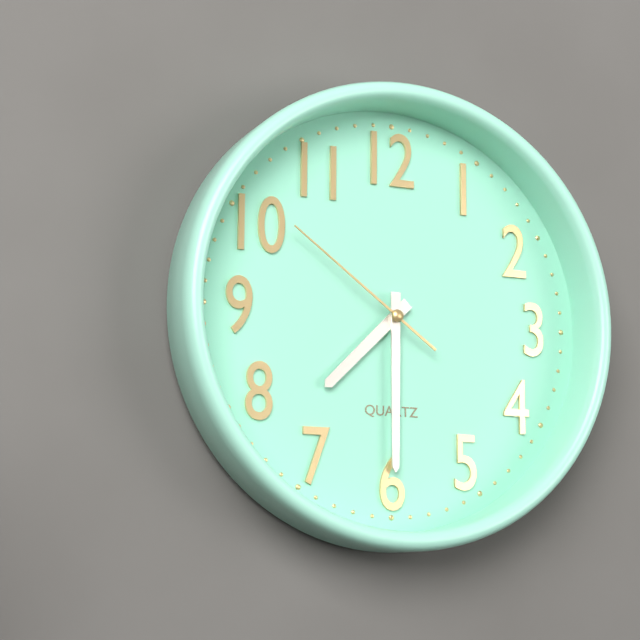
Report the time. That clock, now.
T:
7:30:51
